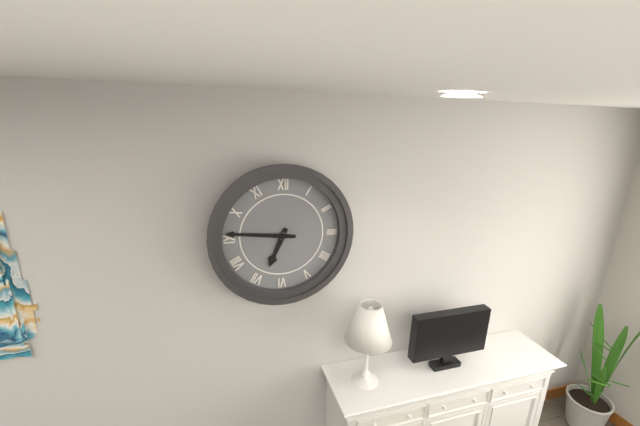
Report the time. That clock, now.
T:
6:46
